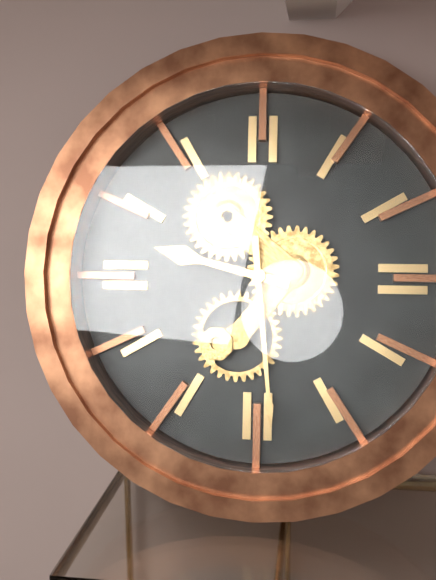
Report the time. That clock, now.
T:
9:29
